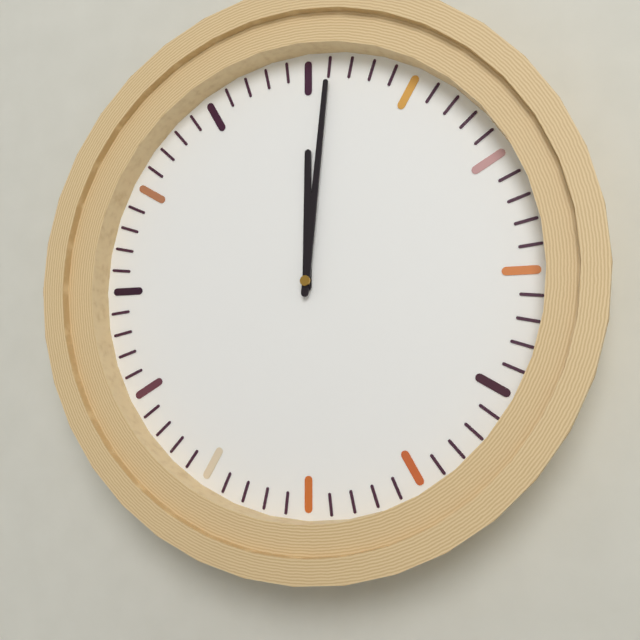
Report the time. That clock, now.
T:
12:01
